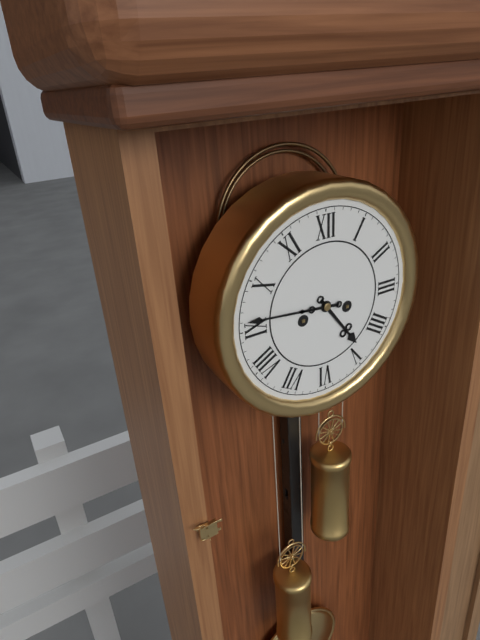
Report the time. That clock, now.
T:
4:46
